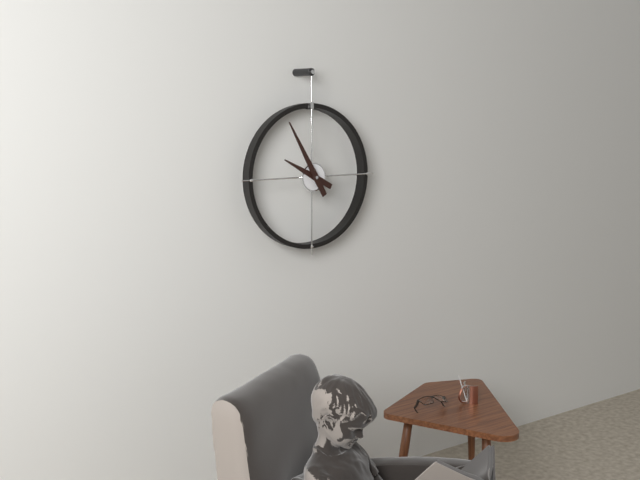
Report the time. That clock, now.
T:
9:55
